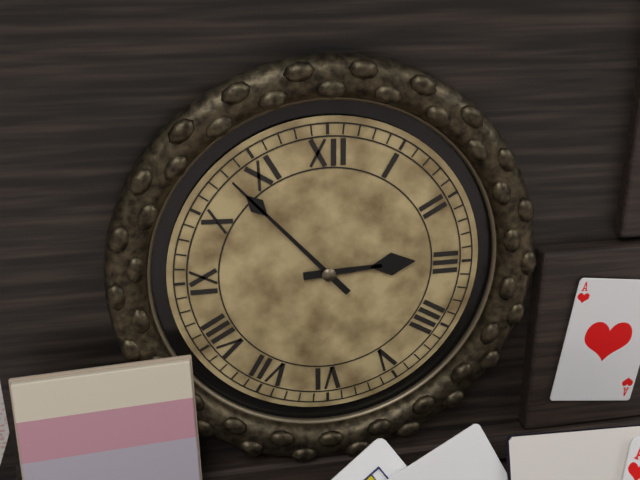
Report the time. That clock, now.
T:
2:53
